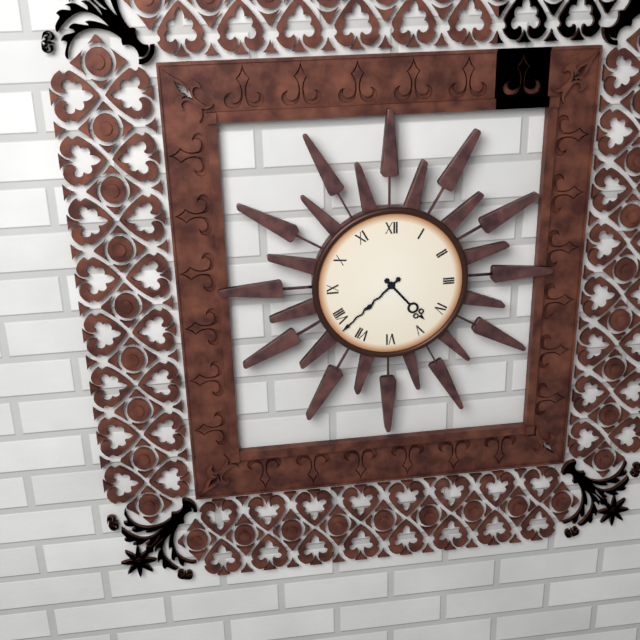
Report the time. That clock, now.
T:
4:38
